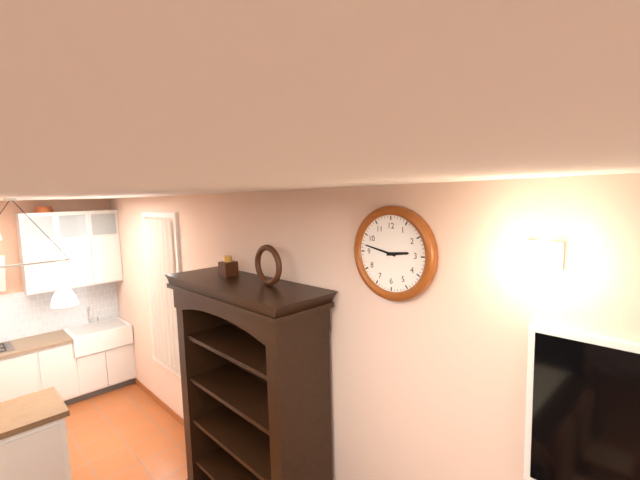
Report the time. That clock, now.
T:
2:47
